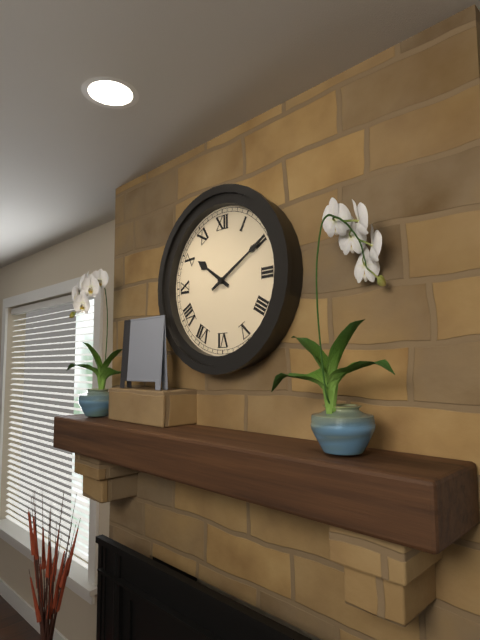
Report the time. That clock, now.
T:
10:10
